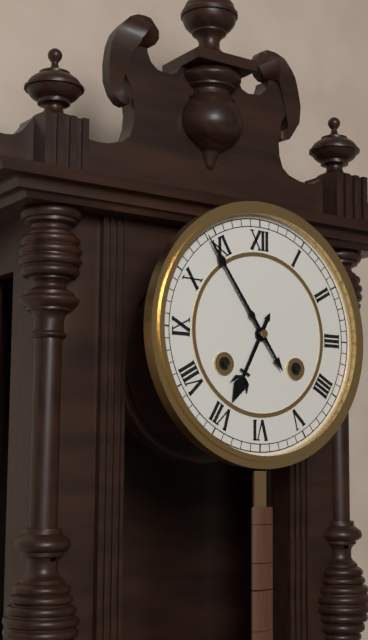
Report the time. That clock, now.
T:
6:54
